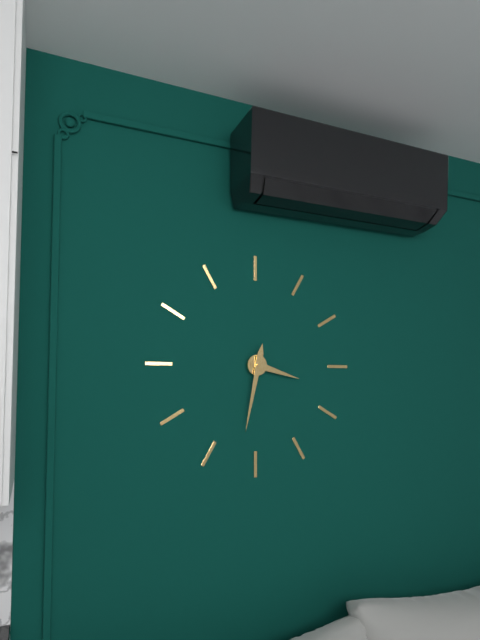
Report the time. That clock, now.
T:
3:32
